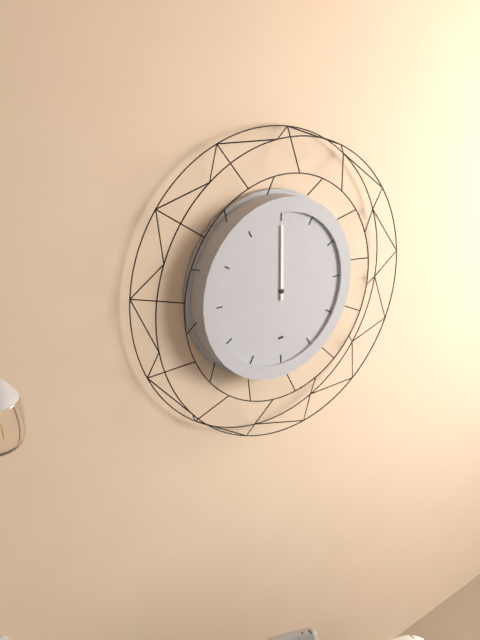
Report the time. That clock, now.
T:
12:00
